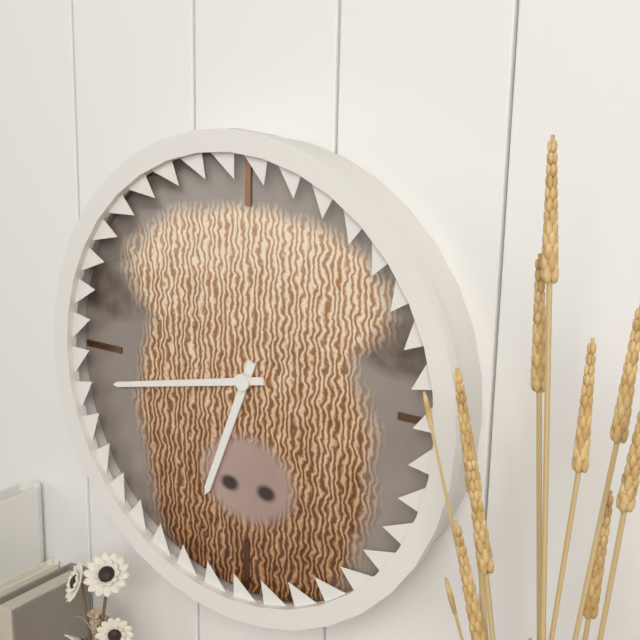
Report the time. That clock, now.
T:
6:43
